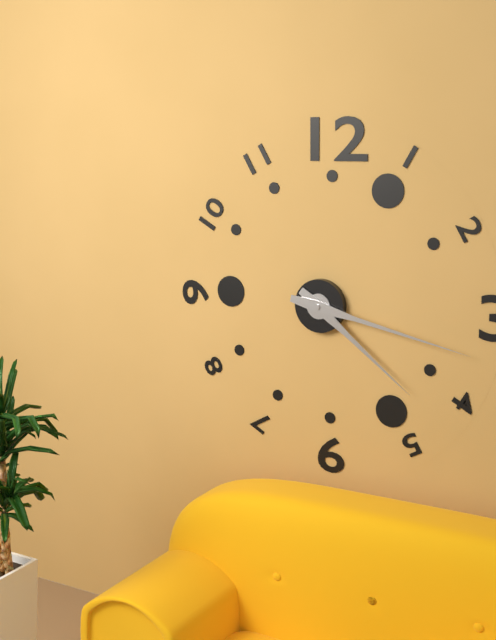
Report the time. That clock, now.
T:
4:17
